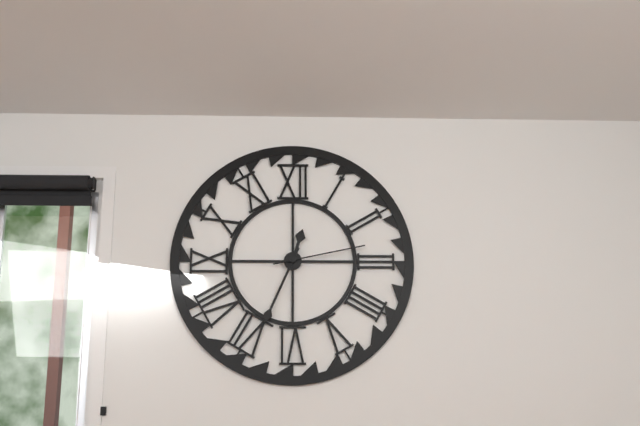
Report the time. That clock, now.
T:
12:34:13
